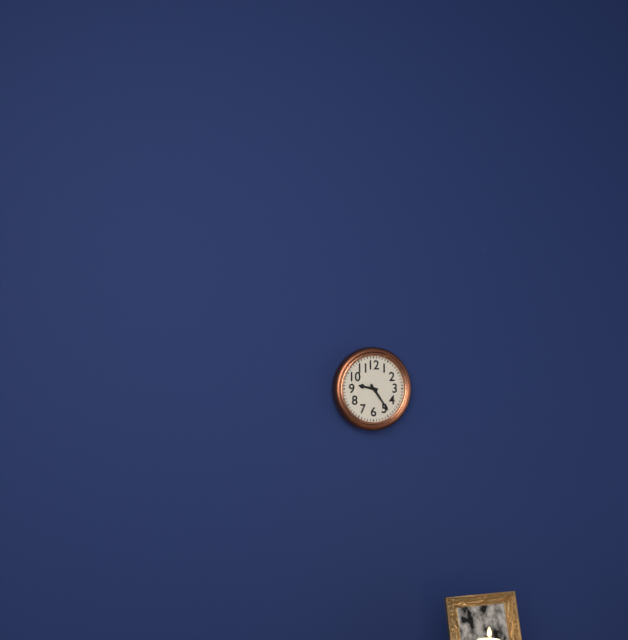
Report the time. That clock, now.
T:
9:24
